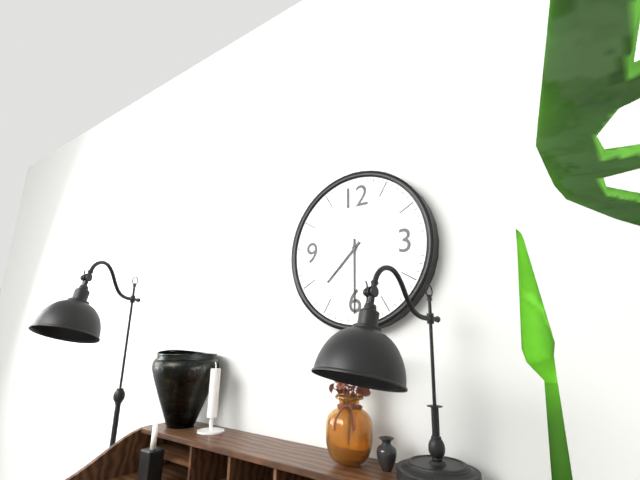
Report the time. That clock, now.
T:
7:30
